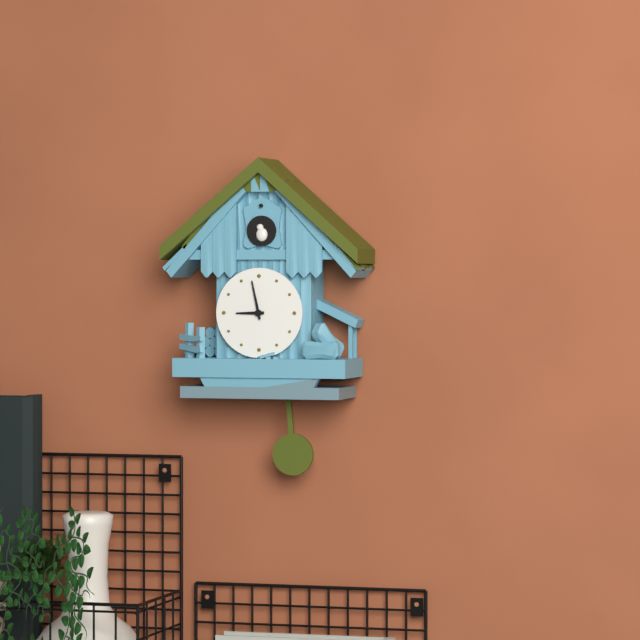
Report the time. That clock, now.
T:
8:58
